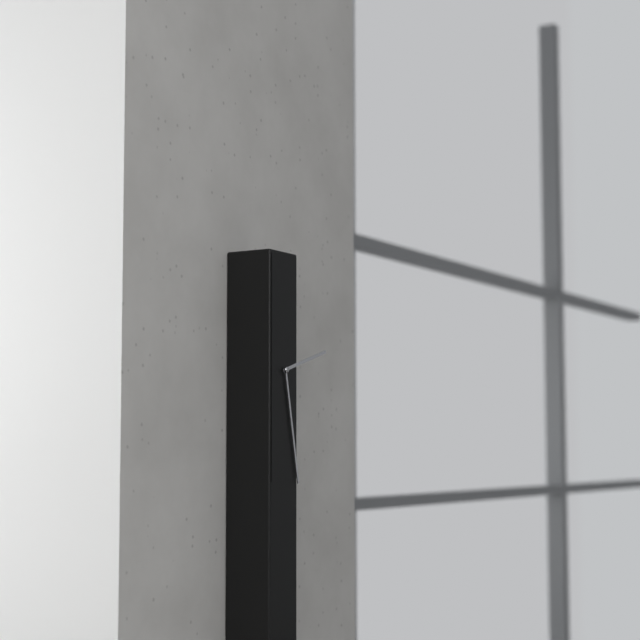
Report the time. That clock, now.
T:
2:28
